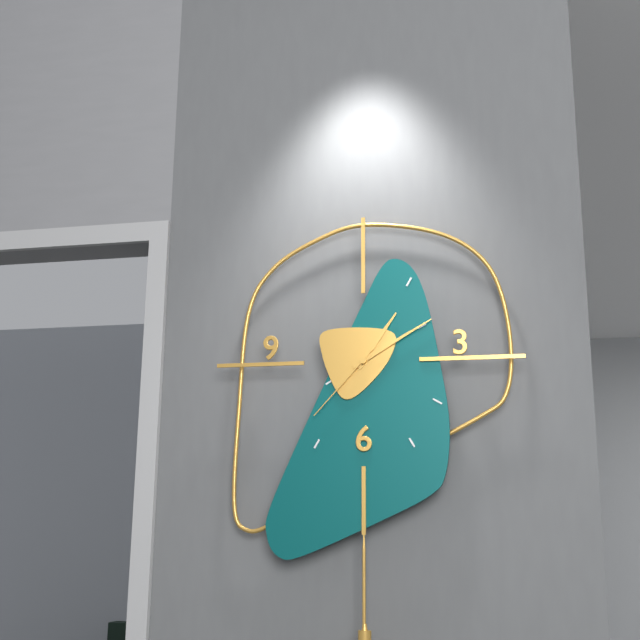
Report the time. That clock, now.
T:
1:10:37
